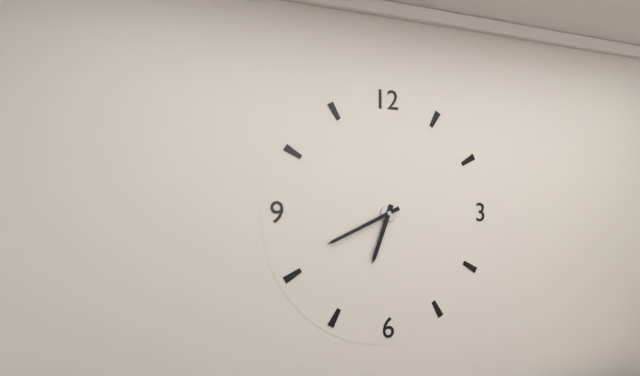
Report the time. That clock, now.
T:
6:41
